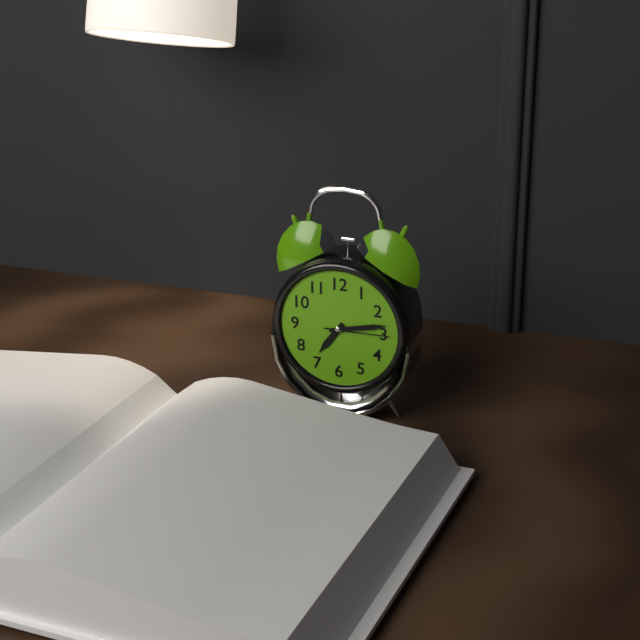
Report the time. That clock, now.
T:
7:13:15
